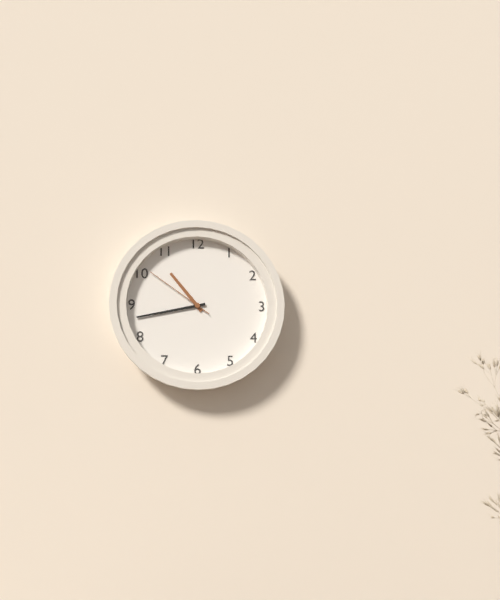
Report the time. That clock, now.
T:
10:43:51
